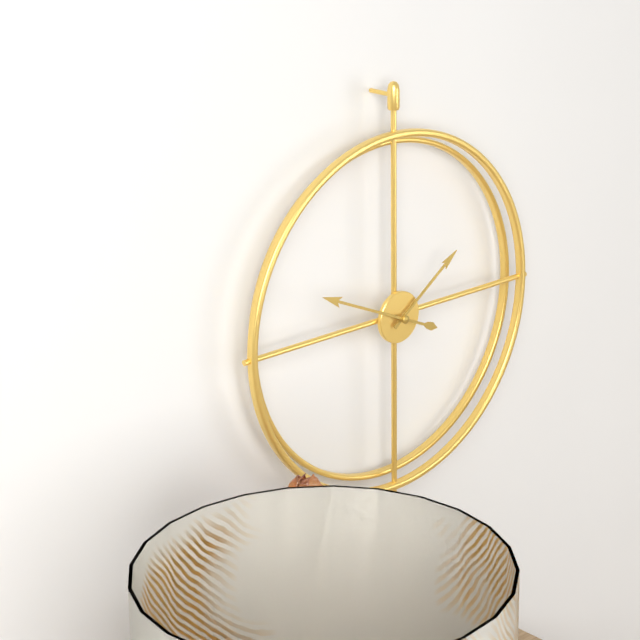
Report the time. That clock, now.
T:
1:49
